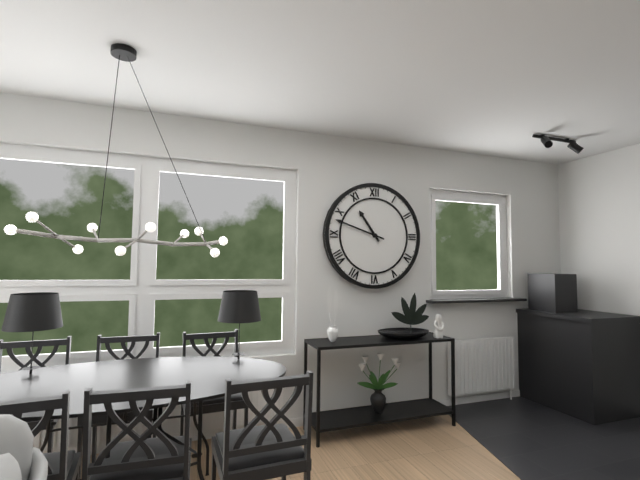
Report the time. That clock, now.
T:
10:48
